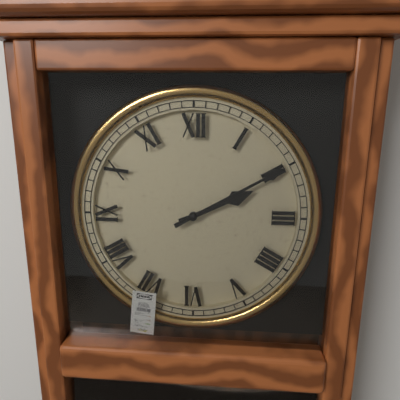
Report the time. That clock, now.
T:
2:10
